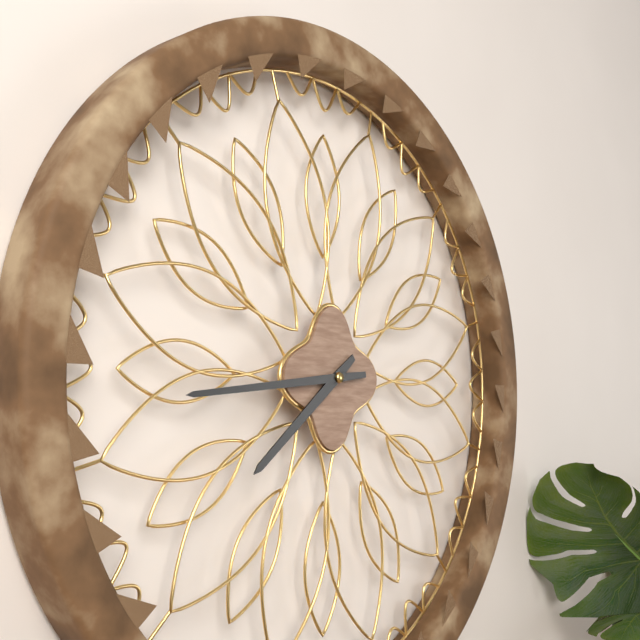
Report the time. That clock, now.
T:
7:44
